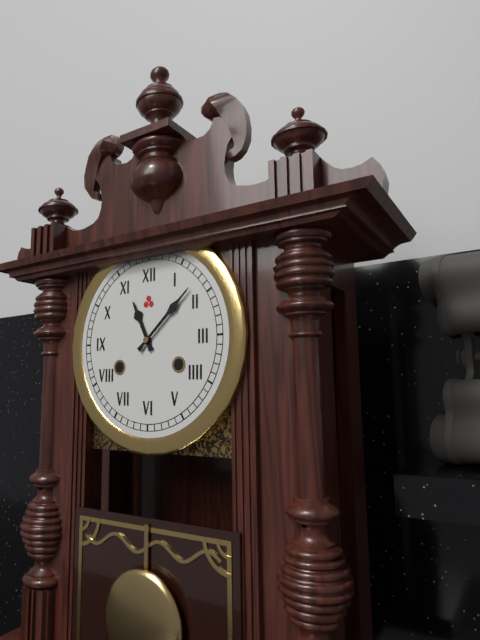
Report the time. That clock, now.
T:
11:08
